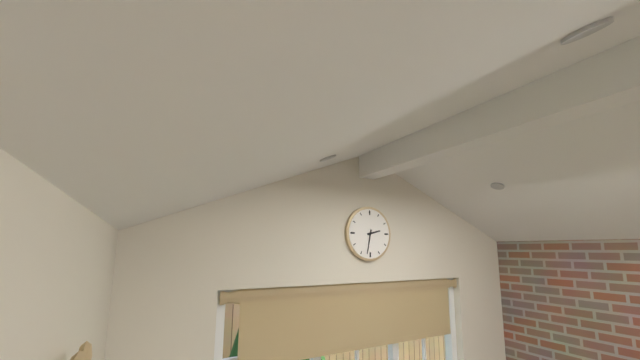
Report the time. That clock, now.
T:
2:32
